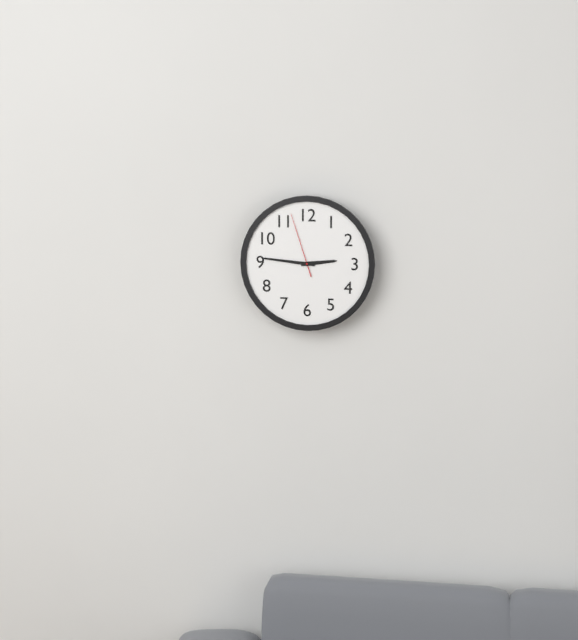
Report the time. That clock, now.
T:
2:46:57
